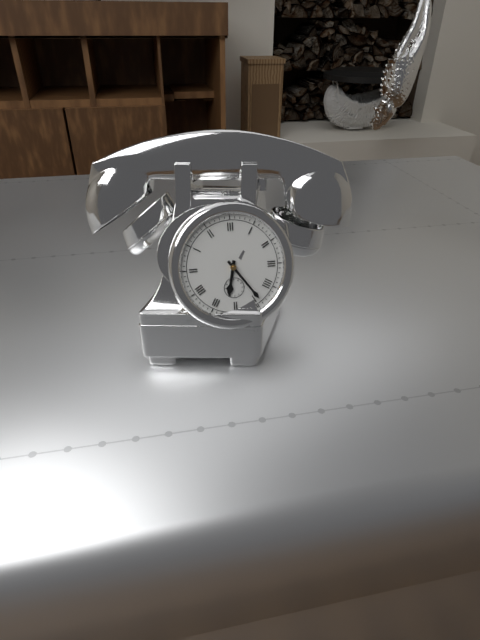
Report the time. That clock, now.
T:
6:24
